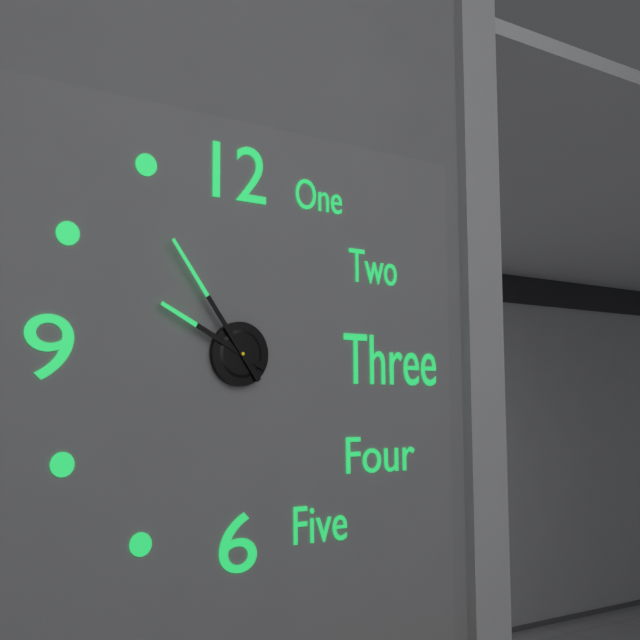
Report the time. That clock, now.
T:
9:54
